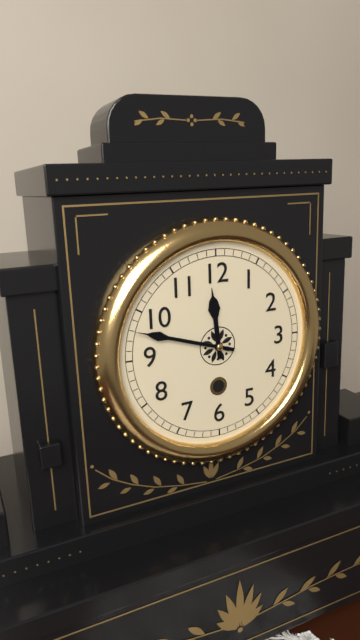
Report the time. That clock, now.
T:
11:48
